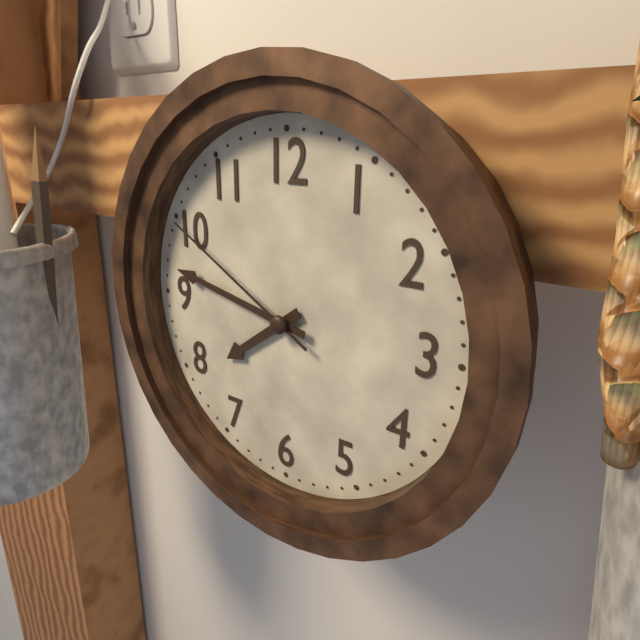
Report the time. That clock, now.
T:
7:47:50
